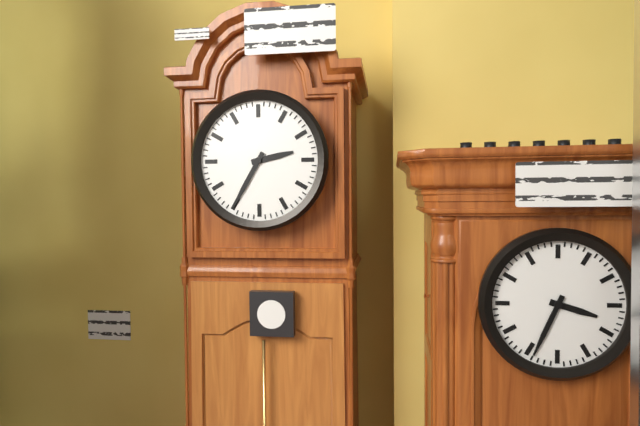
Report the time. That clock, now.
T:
2:35
